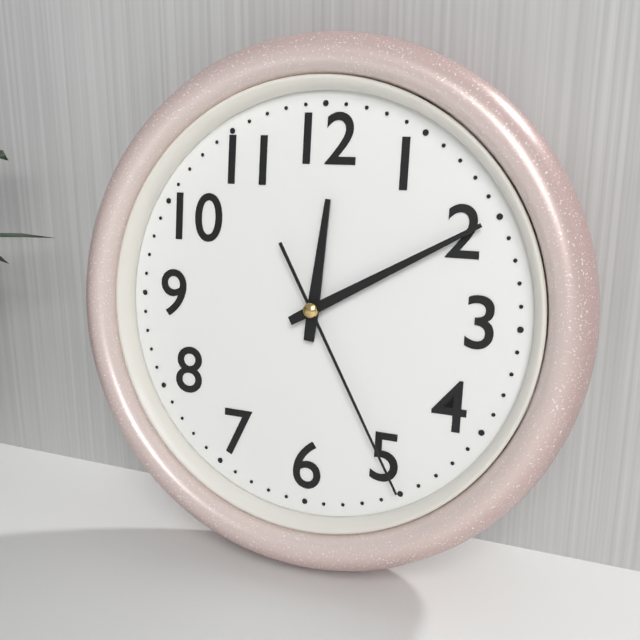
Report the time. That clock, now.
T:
12:10:25
